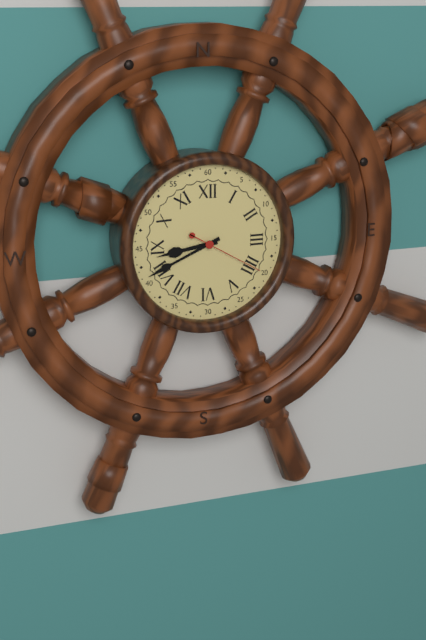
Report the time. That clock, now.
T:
8:41:20
